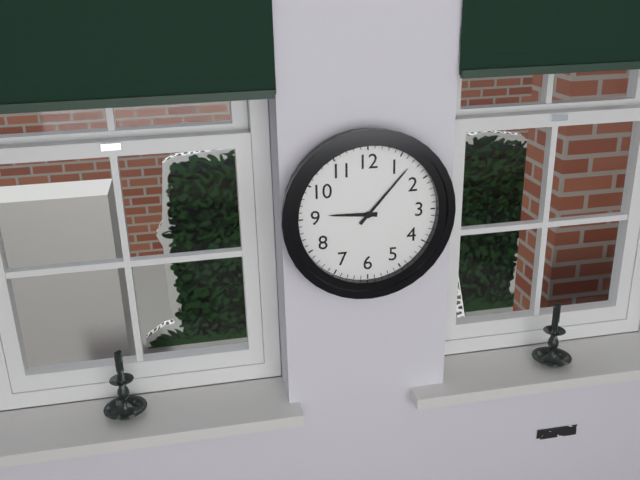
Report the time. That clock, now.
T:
9:07
